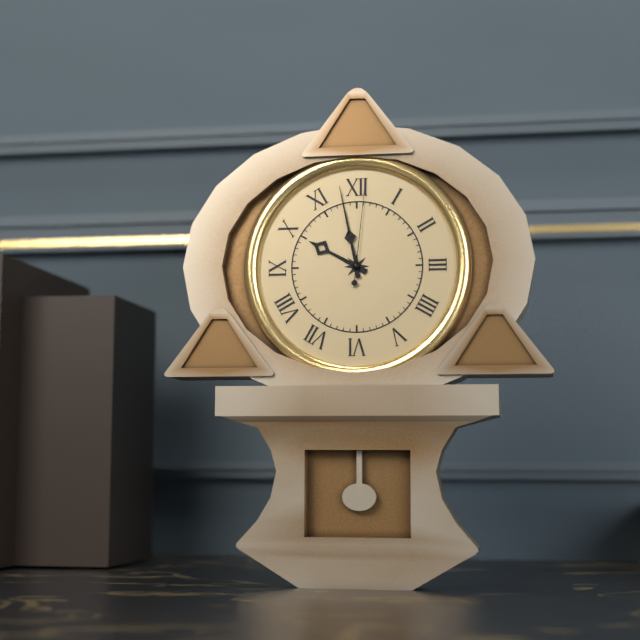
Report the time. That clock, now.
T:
9:58:01
